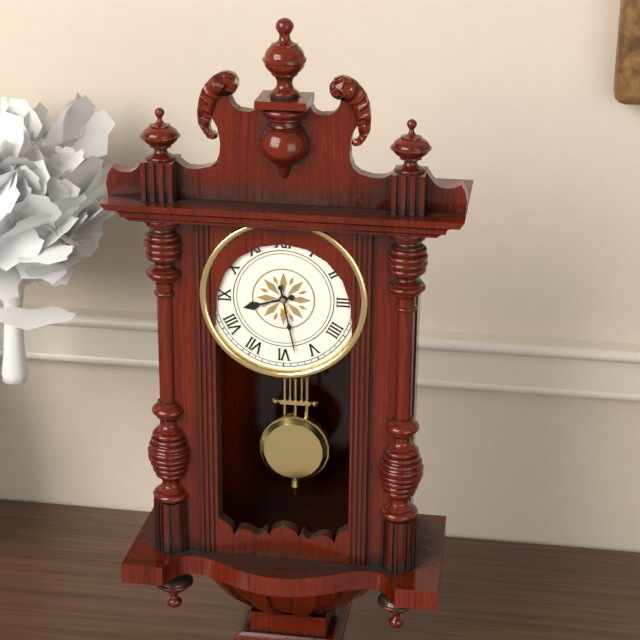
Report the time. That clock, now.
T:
8:28
